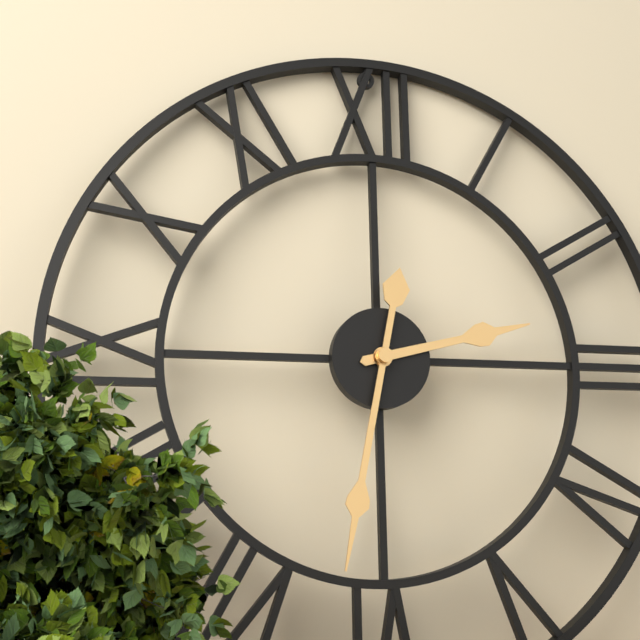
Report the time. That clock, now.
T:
2:32
